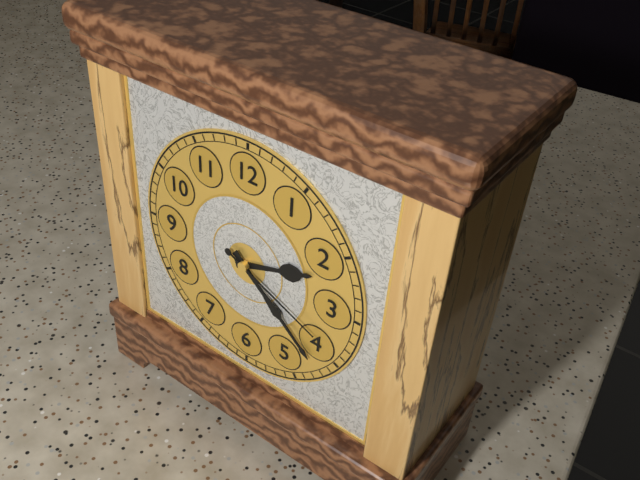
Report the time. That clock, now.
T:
2:22:19
